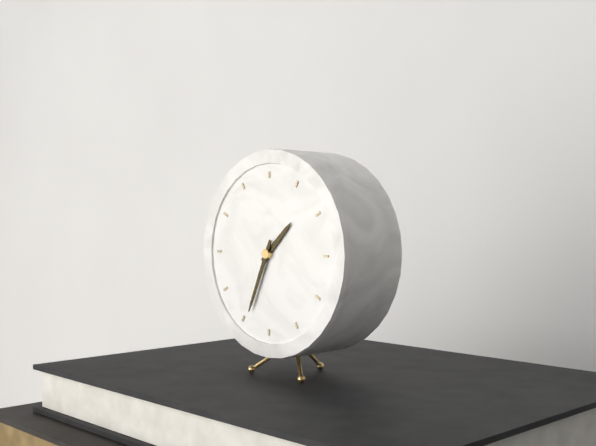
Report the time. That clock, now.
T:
1:34
